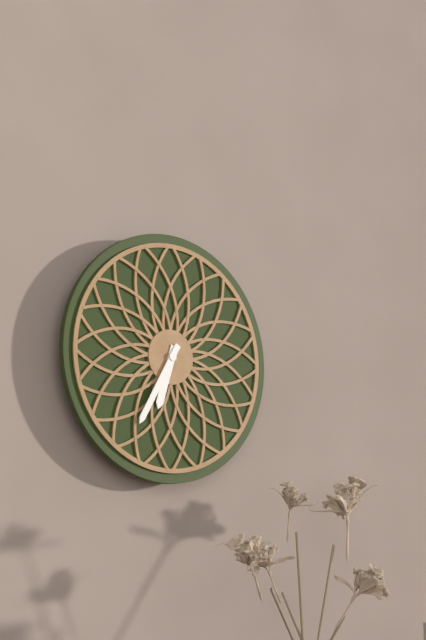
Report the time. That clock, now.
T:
6:35
